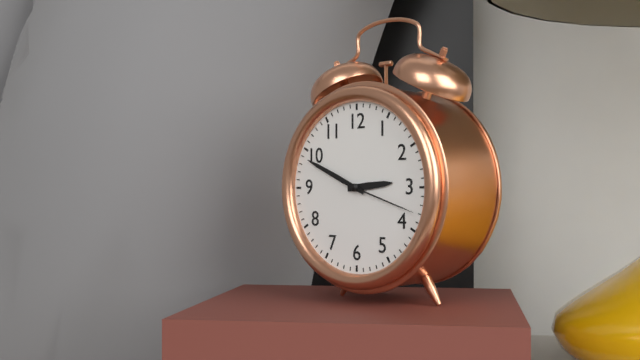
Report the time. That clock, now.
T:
2:49:18
